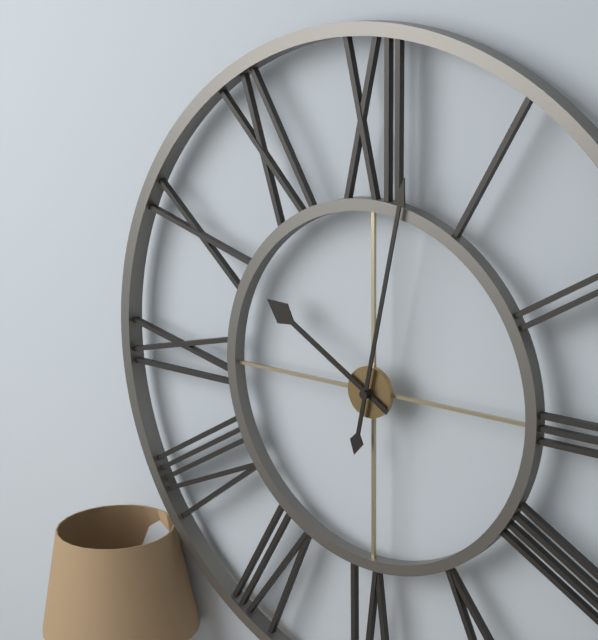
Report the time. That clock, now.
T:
10:02
